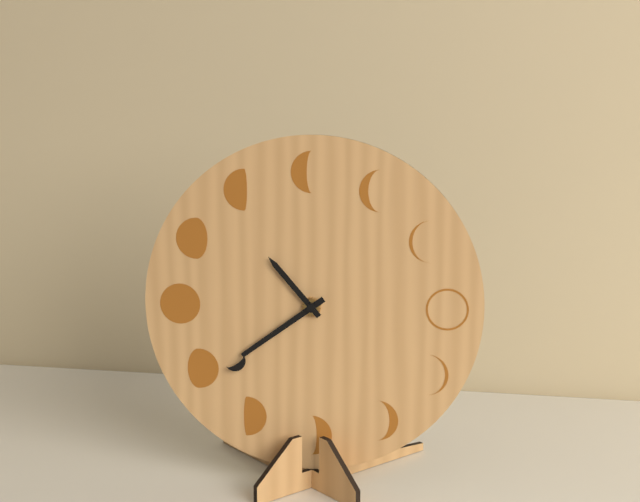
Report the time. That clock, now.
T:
10:39
